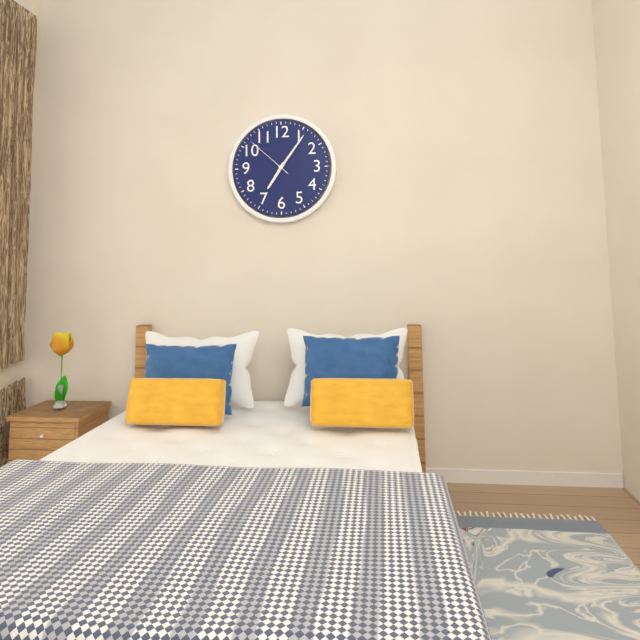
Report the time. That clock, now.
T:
7:06:52
